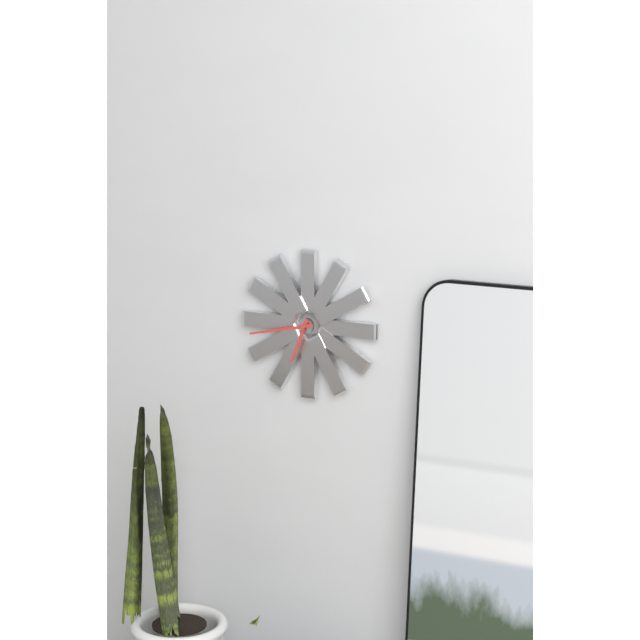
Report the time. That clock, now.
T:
6:43
